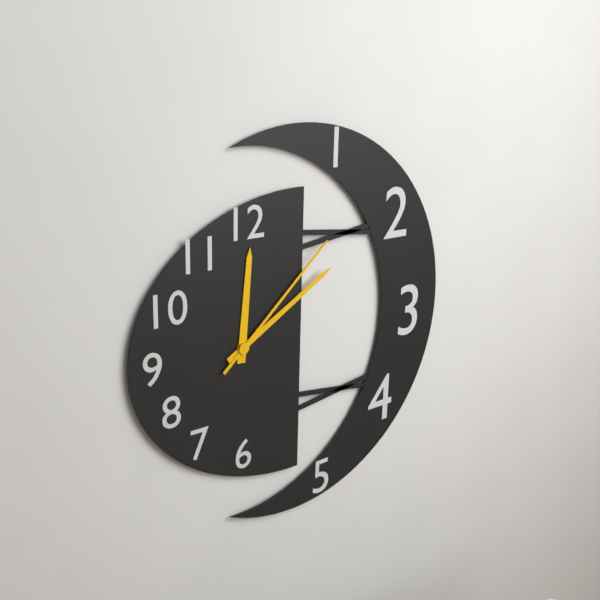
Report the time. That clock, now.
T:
12:10:08
